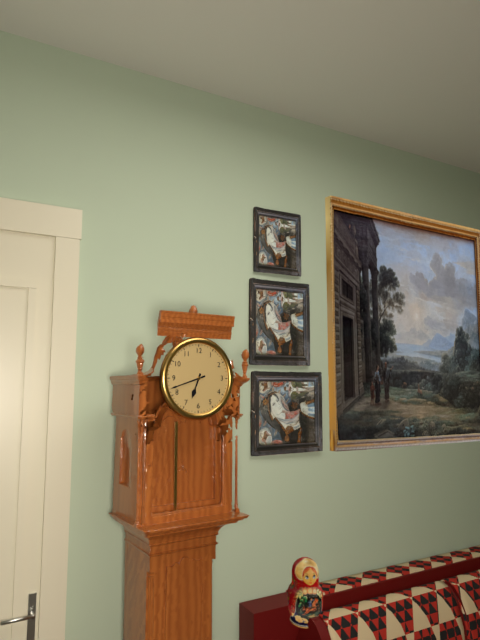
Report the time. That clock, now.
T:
6:42
